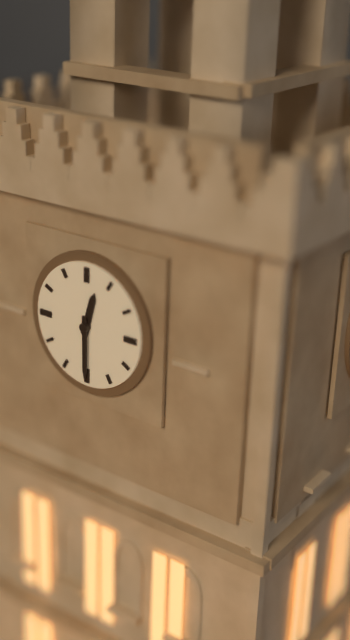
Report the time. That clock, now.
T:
12:30
